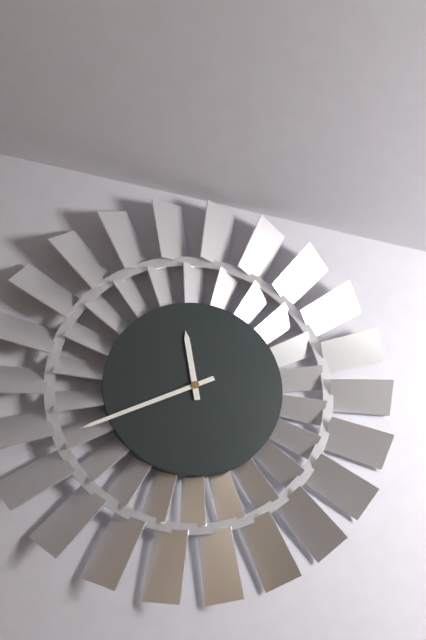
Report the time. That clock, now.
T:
11:41
